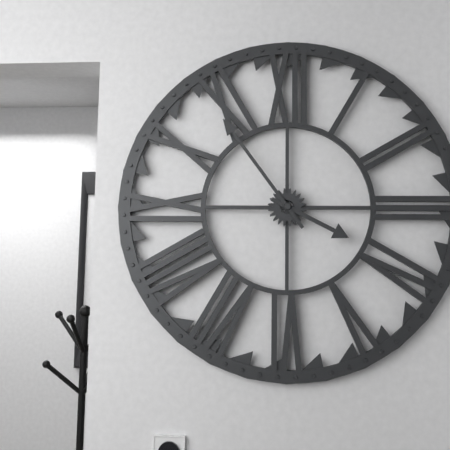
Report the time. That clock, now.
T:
3:54
